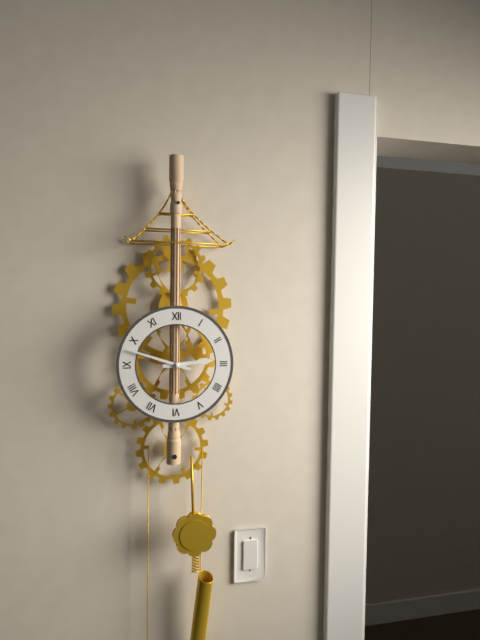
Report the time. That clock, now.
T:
2:48
